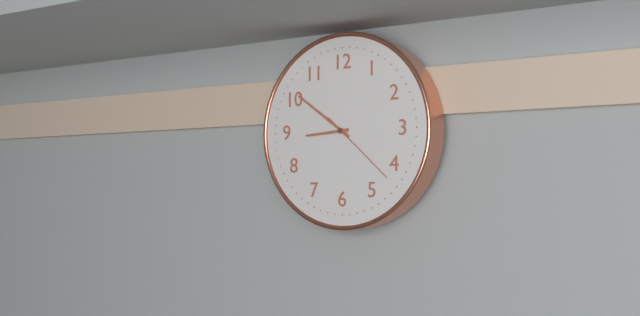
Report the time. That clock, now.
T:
8:51:22
